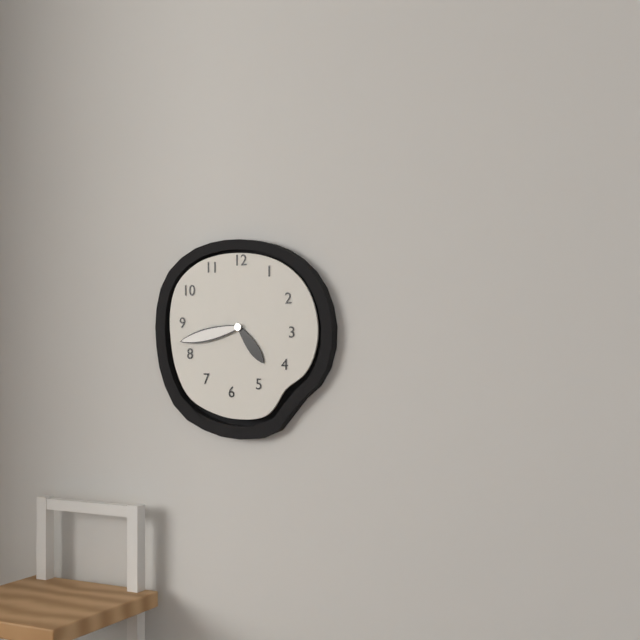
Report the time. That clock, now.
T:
4:43
